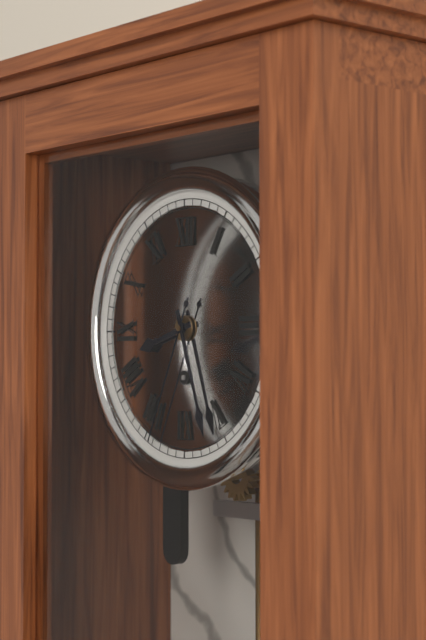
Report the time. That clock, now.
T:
8:27:34
